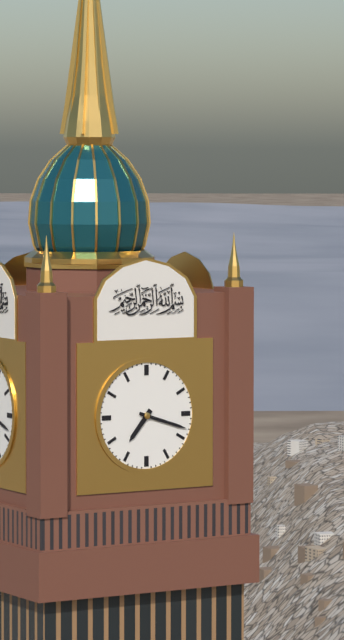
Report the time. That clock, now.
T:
7:18
